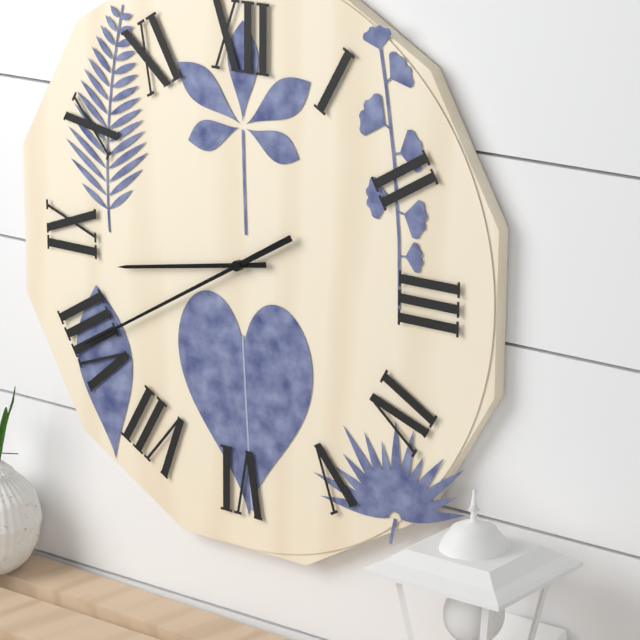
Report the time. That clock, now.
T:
8:40
